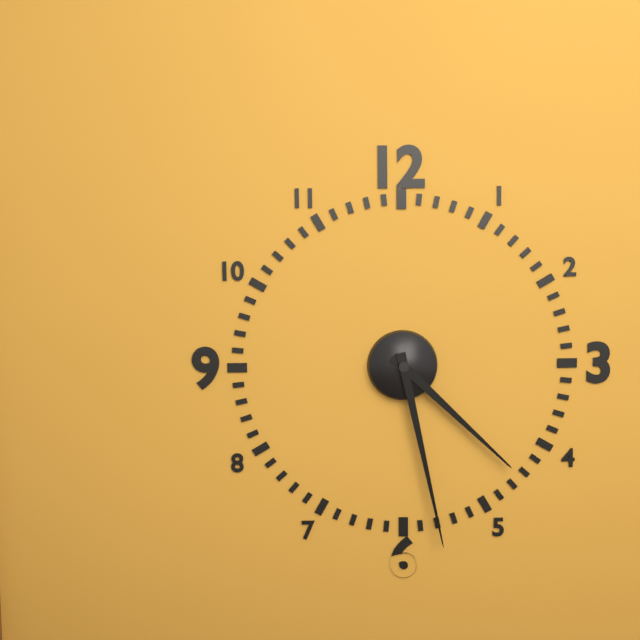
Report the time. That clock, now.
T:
4:28
